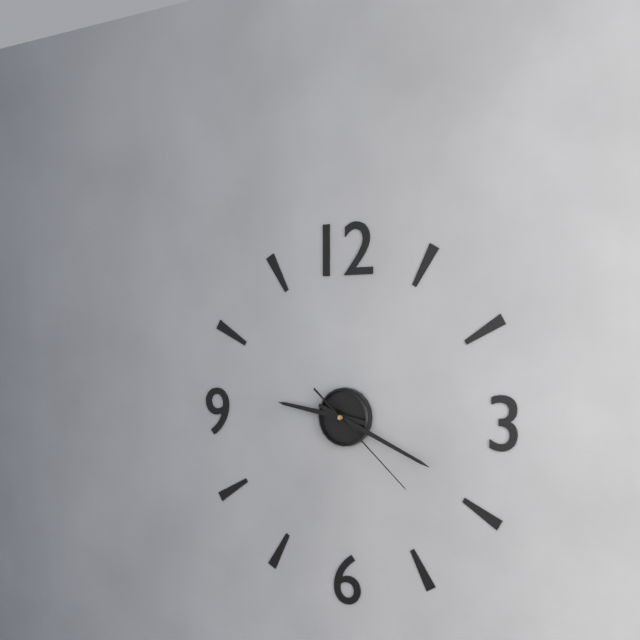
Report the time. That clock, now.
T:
9:19:22
